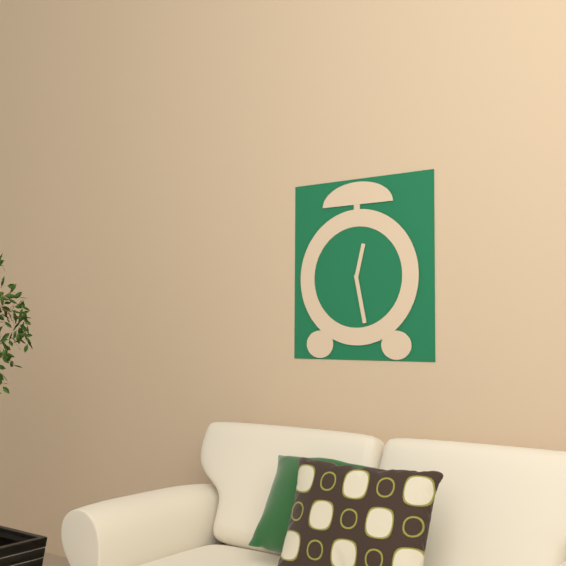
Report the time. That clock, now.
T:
12:28
